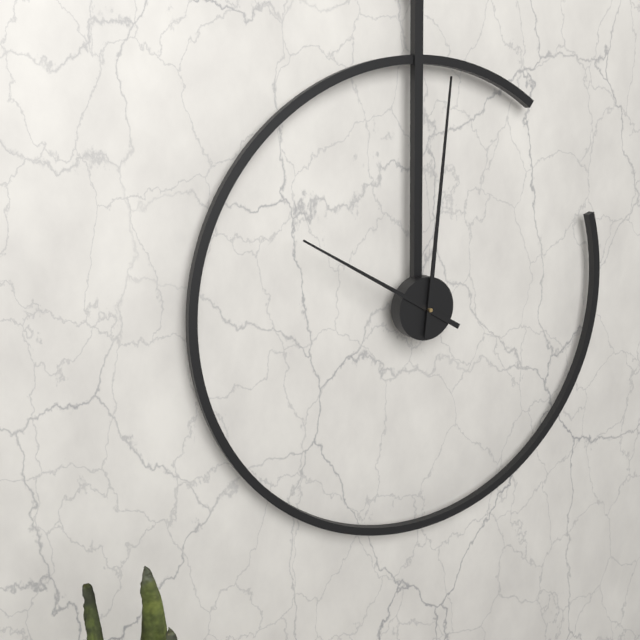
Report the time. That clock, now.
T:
10:01
